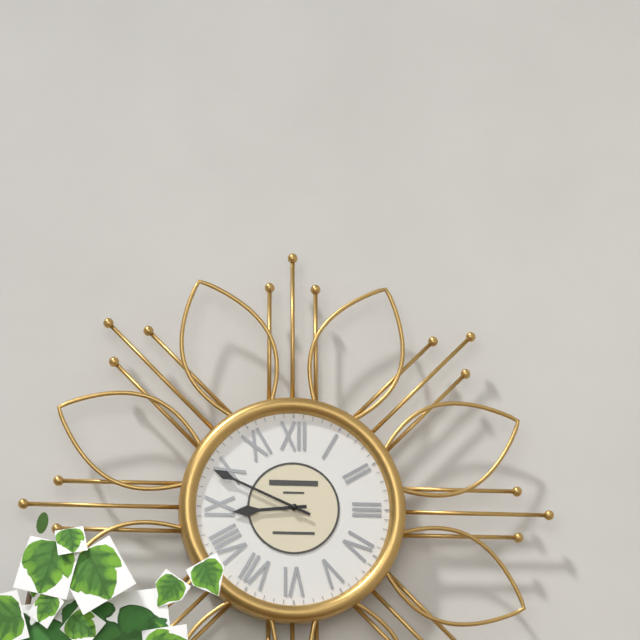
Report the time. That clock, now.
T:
8:49
